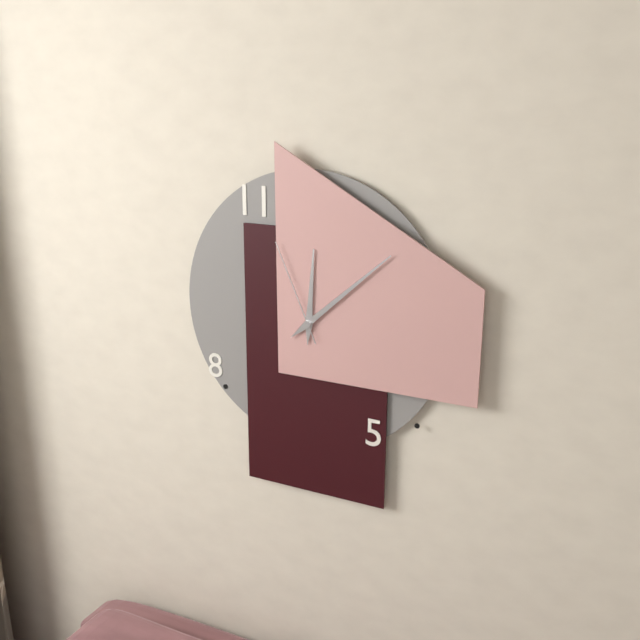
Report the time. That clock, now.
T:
12:08:56
